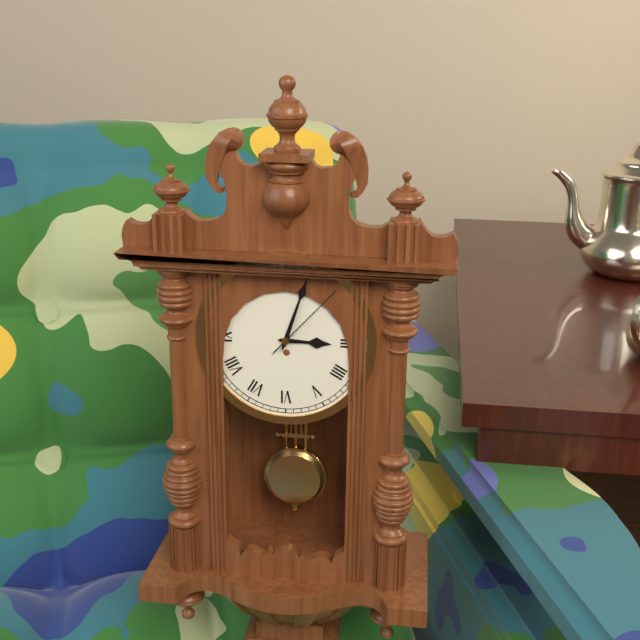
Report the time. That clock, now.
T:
3:03:07
